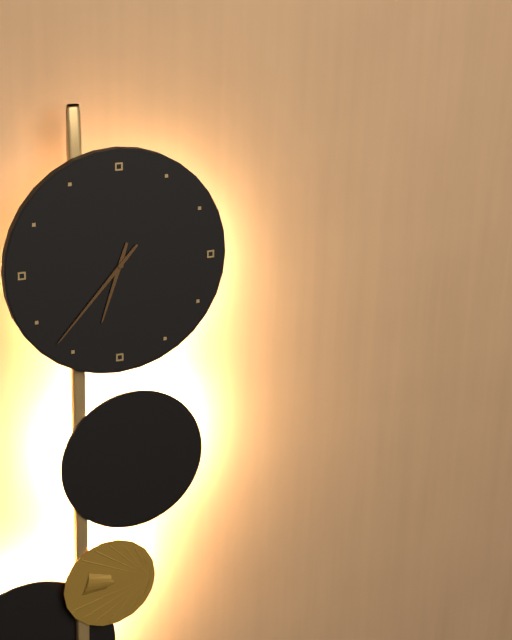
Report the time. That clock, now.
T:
6:37
